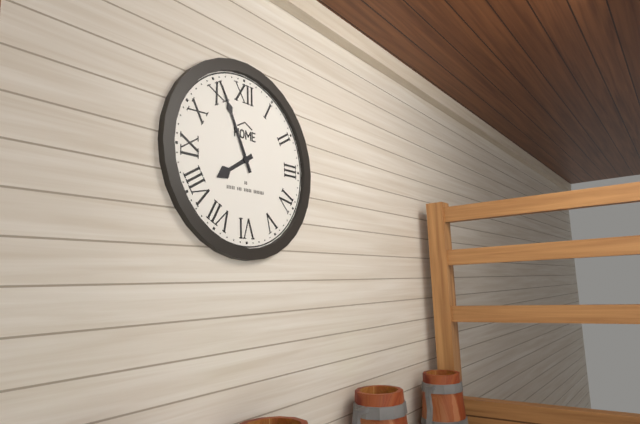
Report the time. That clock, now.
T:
7:56
